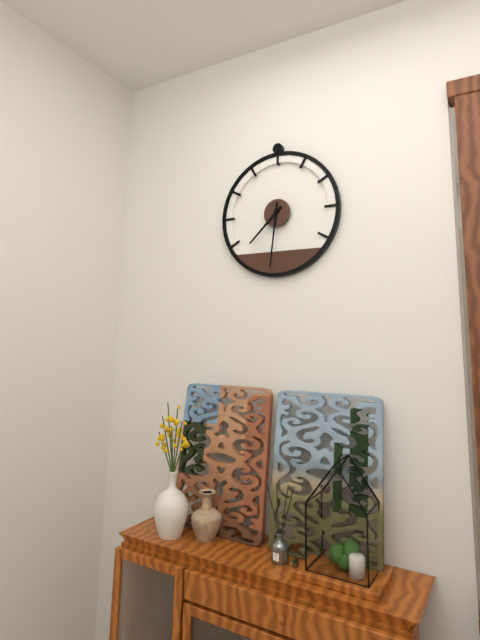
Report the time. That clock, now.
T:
7:31
